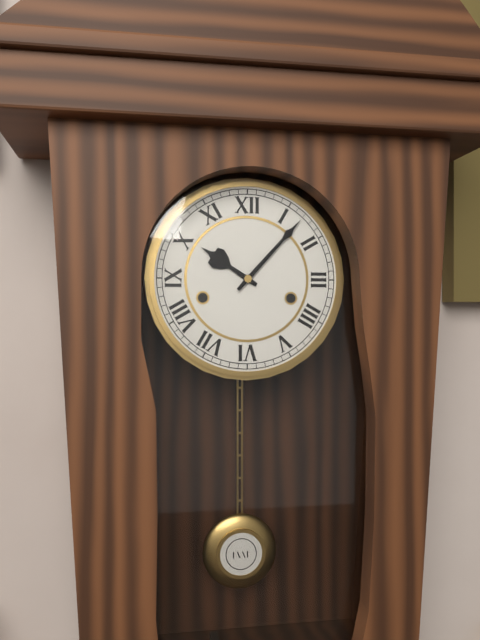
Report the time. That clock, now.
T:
10:07
